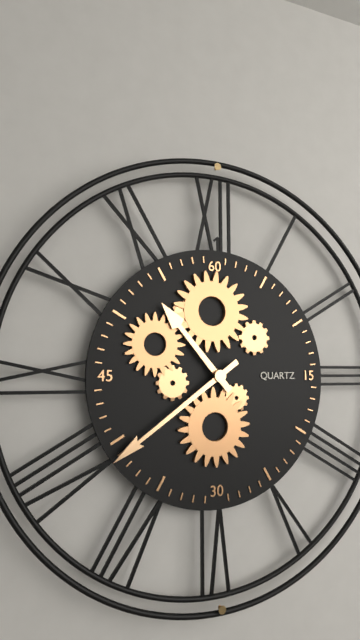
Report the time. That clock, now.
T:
10:39
